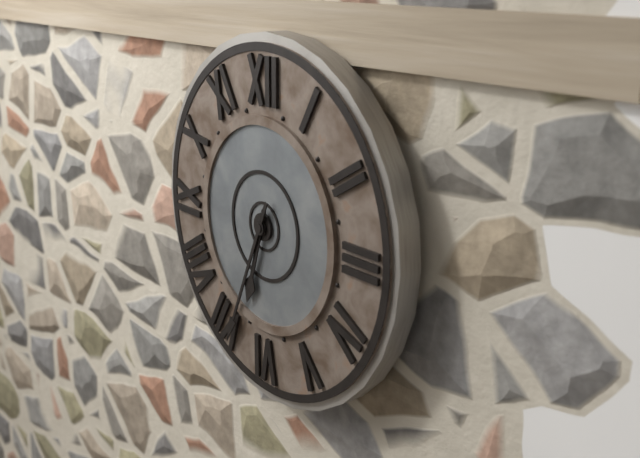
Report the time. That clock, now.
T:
6:34
